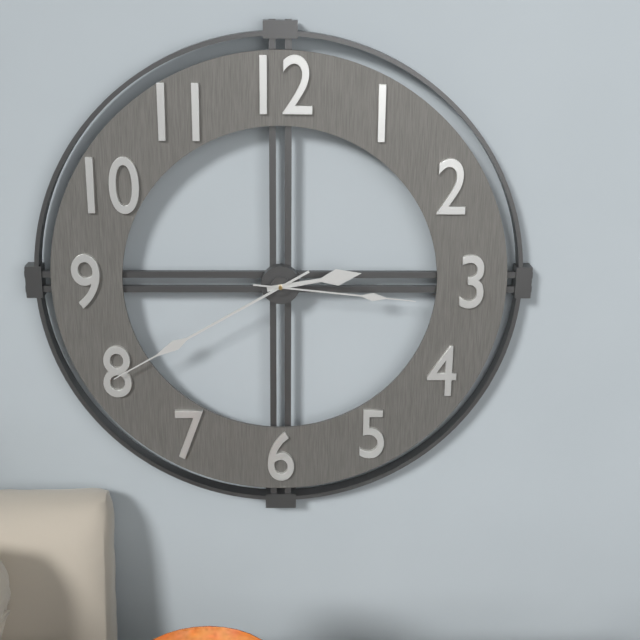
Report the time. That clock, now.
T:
2:40:16
